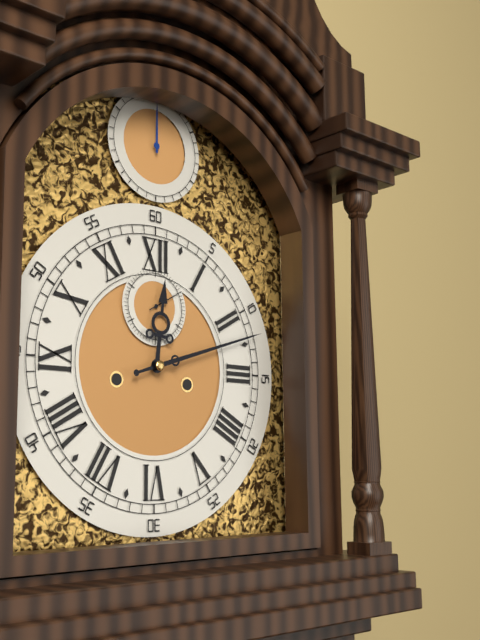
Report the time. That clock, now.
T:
12:12
